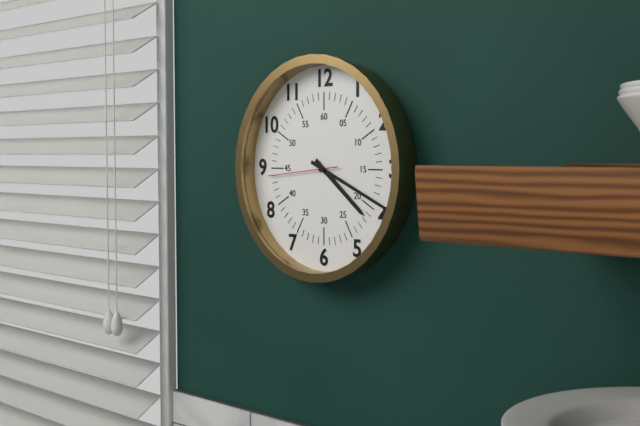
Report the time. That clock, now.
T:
4:19:44
